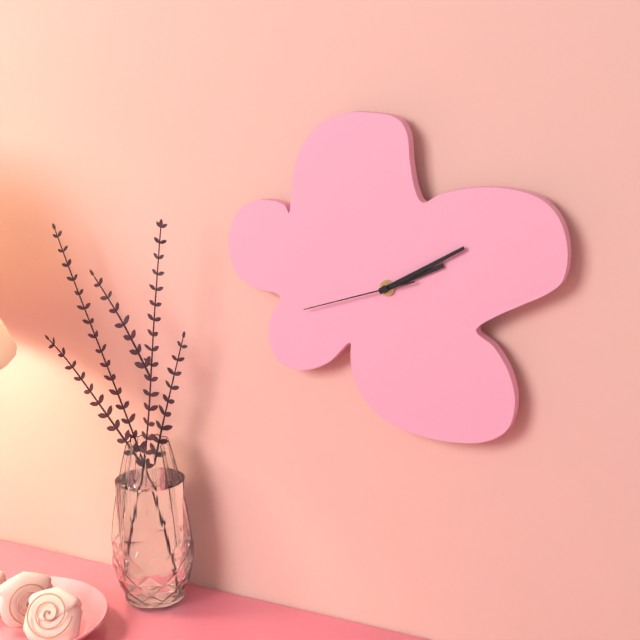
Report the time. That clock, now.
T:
2:10:42
